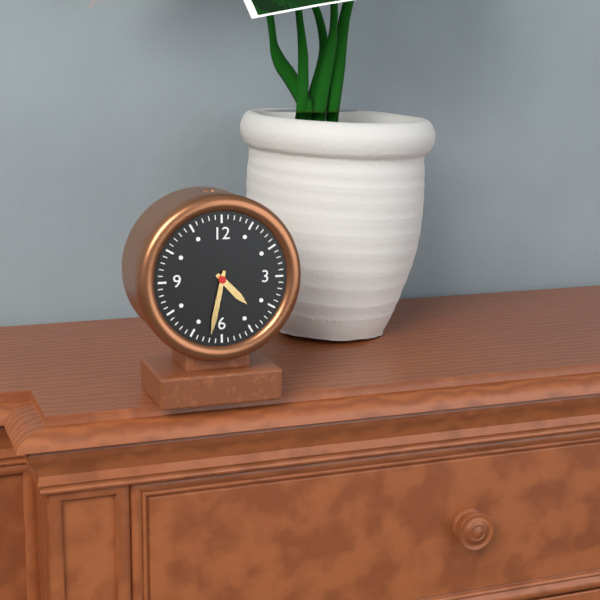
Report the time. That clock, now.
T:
4:32
